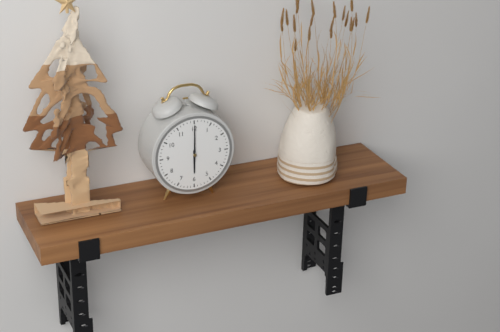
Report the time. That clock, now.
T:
6:00
